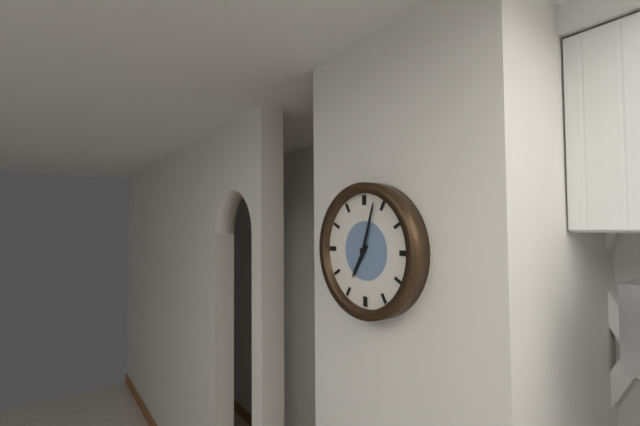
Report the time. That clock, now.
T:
7:03
